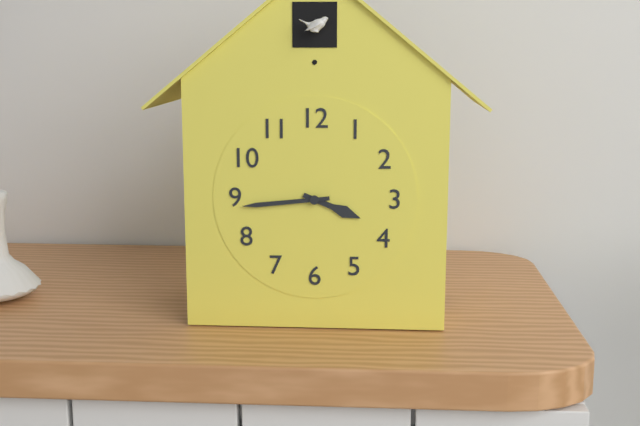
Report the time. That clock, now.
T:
3:44
